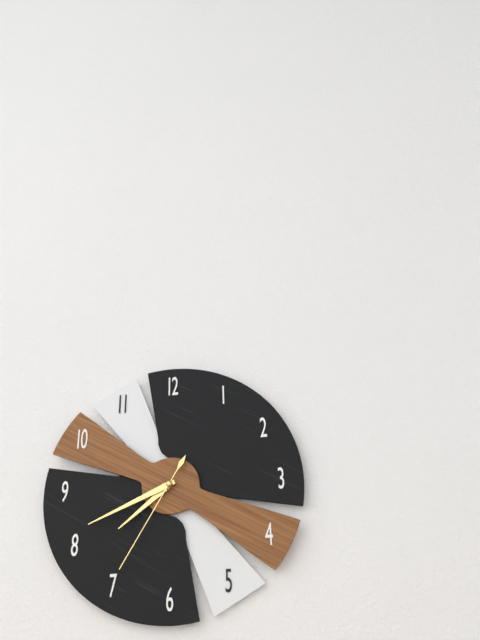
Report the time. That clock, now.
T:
7:41:35
